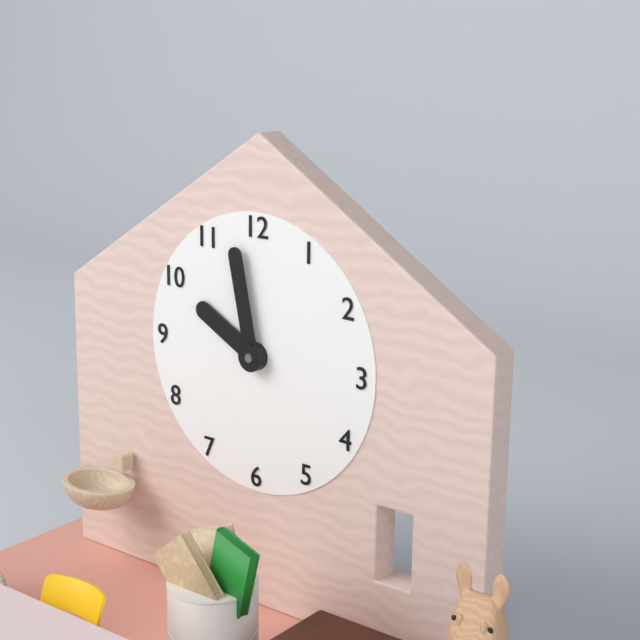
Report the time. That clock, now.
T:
9:58
